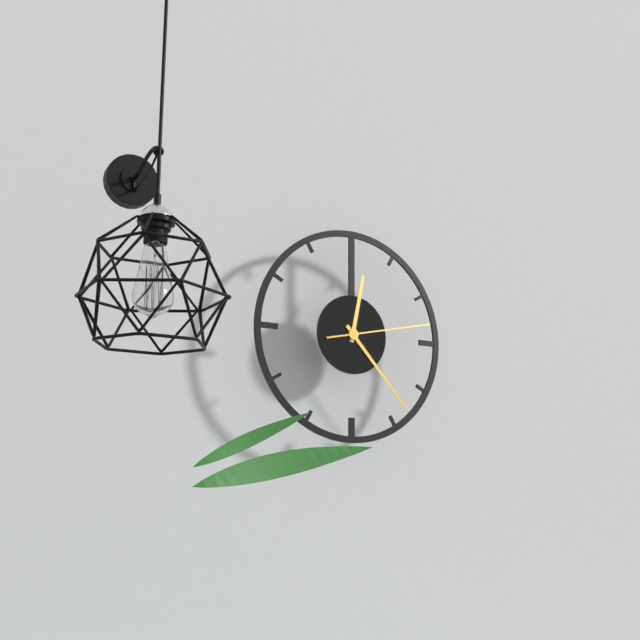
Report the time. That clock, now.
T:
12:23:13
